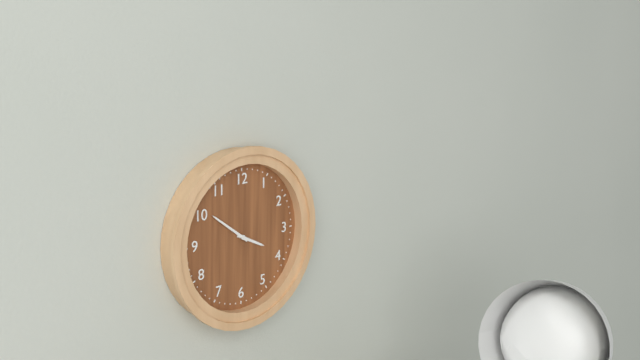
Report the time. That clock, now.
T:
3:51
